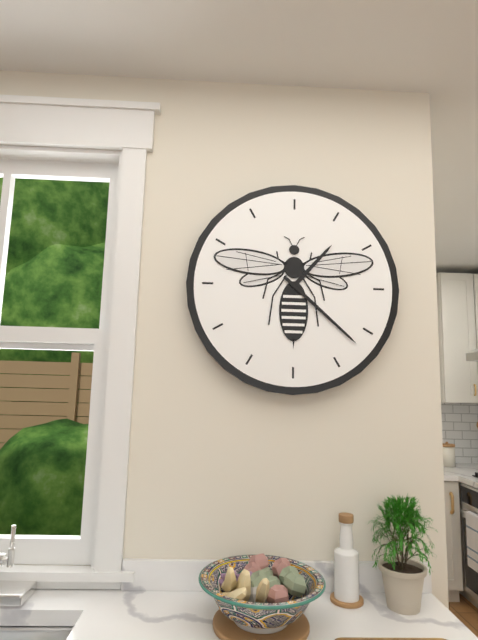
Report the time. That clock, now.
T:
1:22
